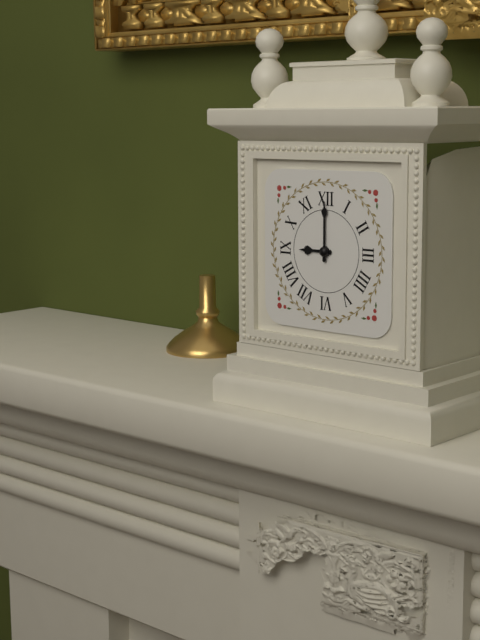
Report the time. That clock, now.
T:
9:00
